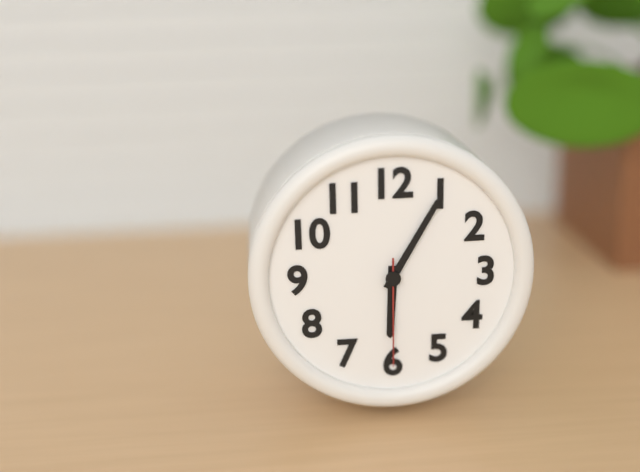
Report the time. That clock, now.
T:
6:05:30
